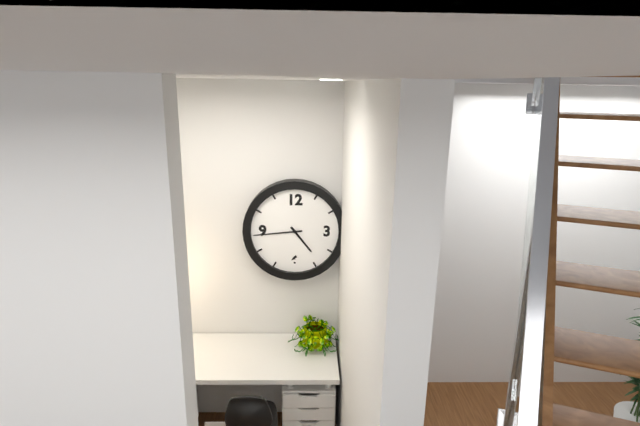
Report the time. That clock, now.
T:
4:44
